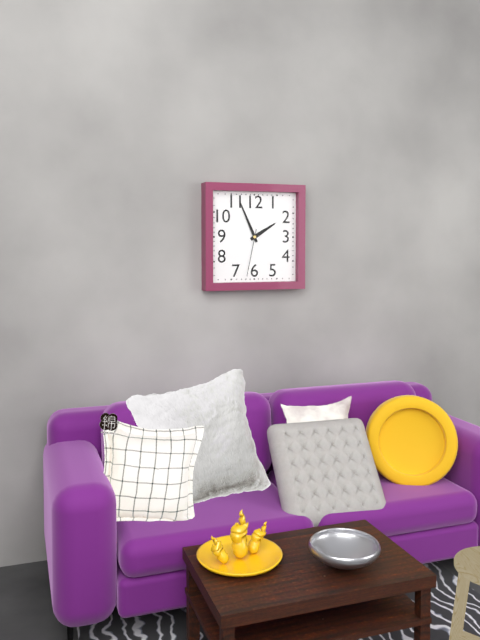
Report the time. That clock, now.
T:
1:56:32
